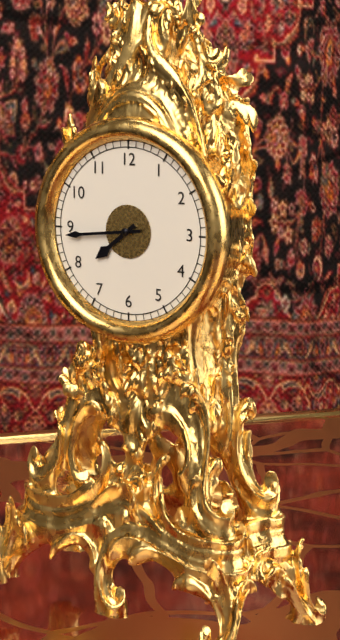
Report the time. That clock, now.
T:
7:44
